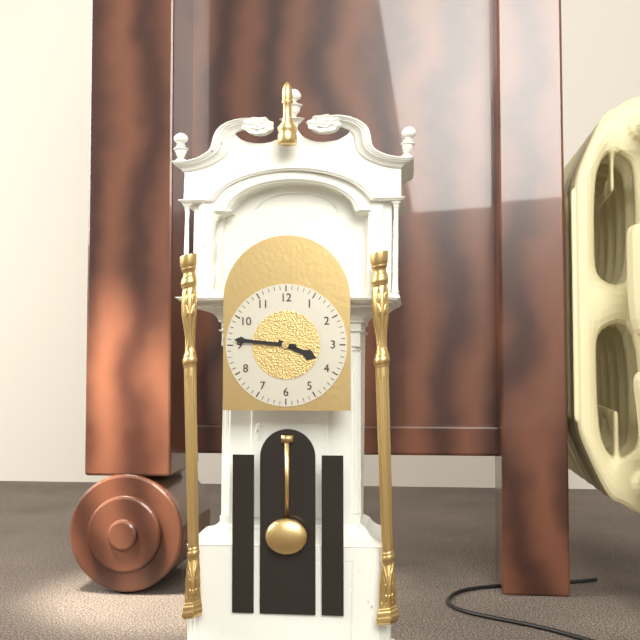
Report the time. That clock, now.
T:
3:46
